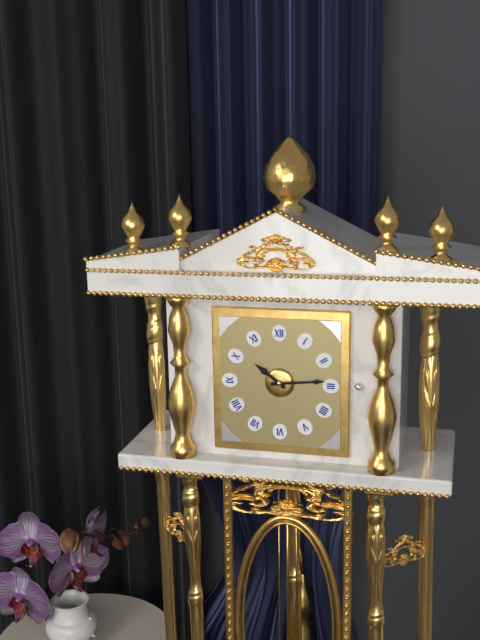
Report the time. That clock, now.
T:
10:14
